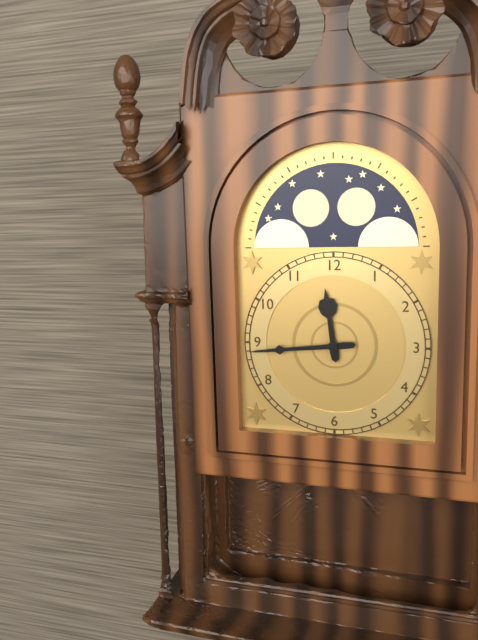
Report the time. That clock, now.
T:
11:44
